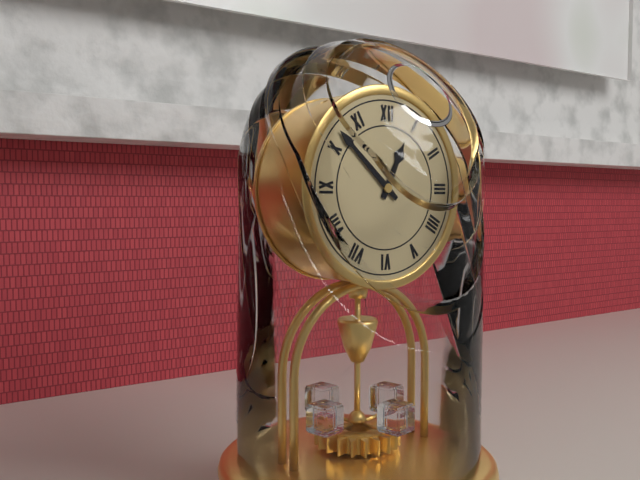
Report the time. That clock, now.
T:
12:52
